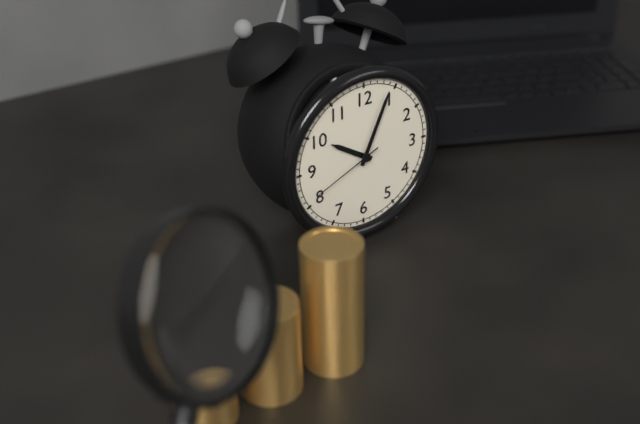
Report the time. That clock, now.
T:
10:04:41
